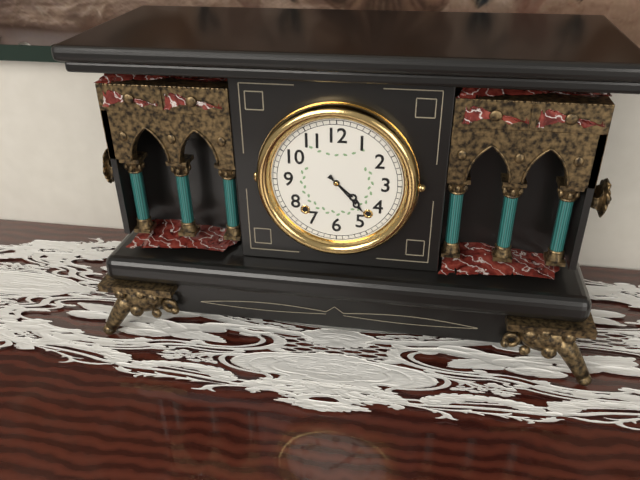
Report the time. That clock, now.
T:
4:23
